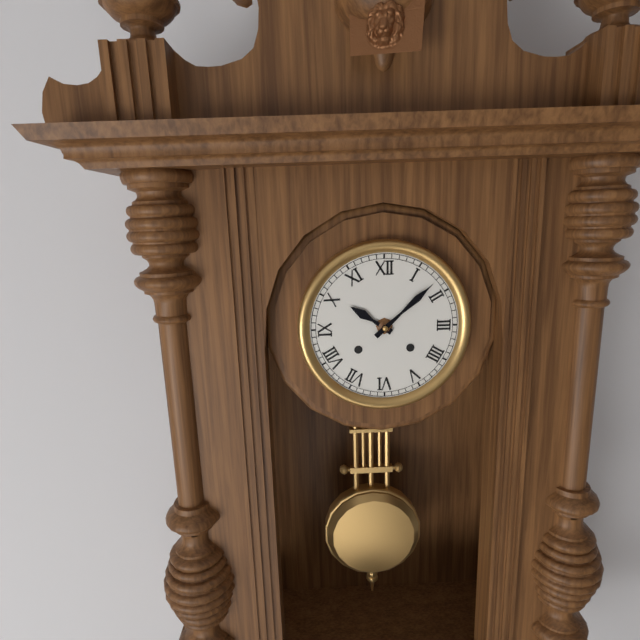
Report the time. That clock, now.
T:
10:08
